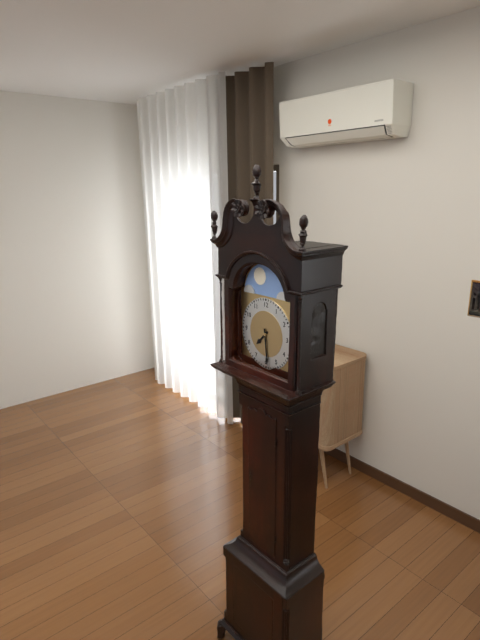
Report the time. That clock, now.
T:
7:29
